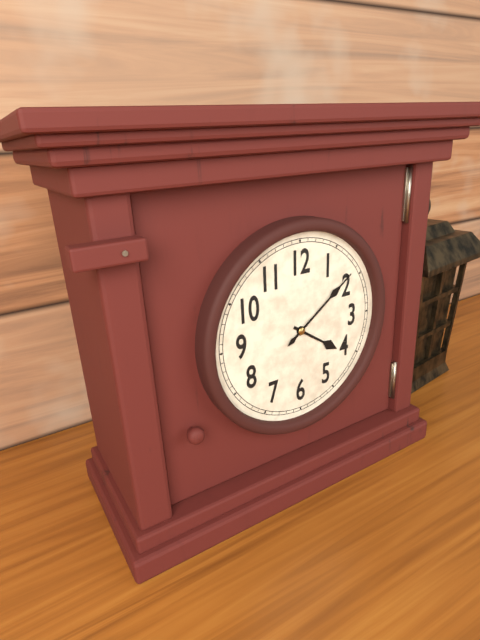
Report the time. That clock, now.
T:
4:09
